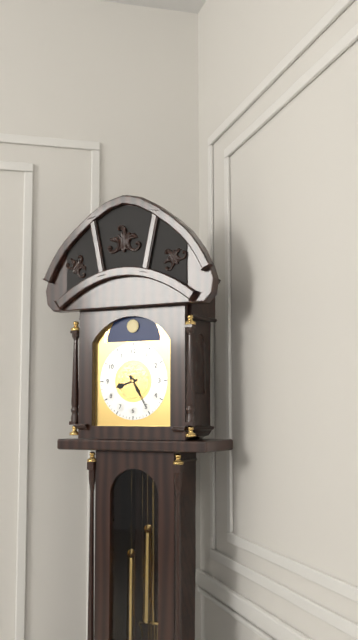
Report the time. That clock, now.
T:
8:25
